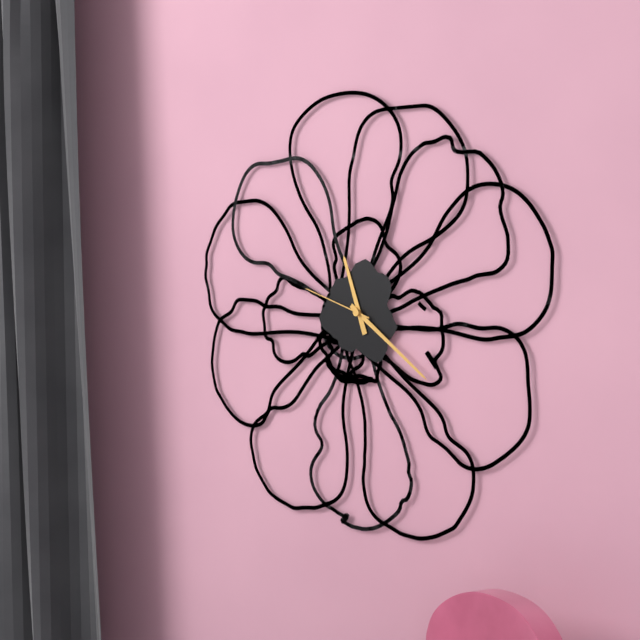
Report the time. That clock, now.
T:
11:21:48
